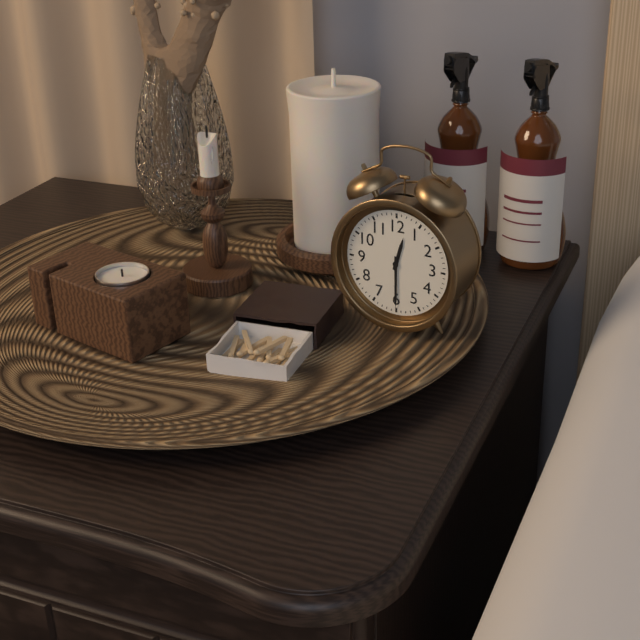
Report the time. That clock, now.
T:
12:30
